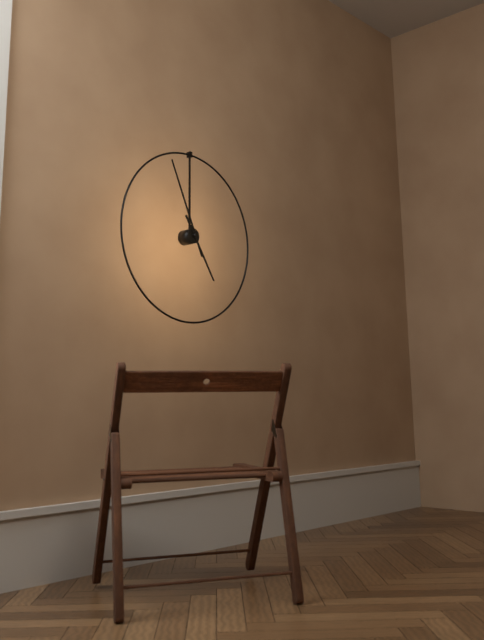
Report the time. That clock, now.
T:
4:56
